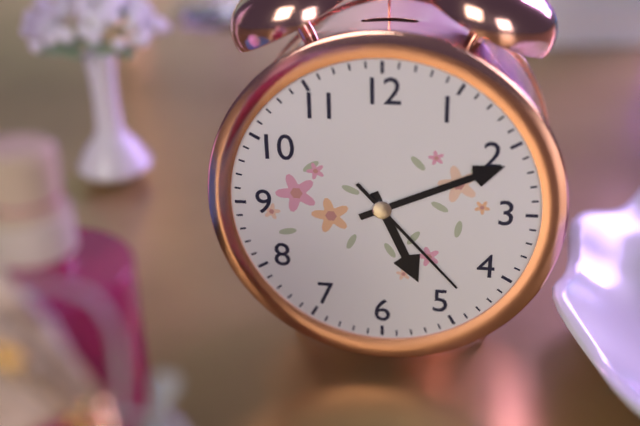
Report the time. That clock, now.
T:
5:11:23
